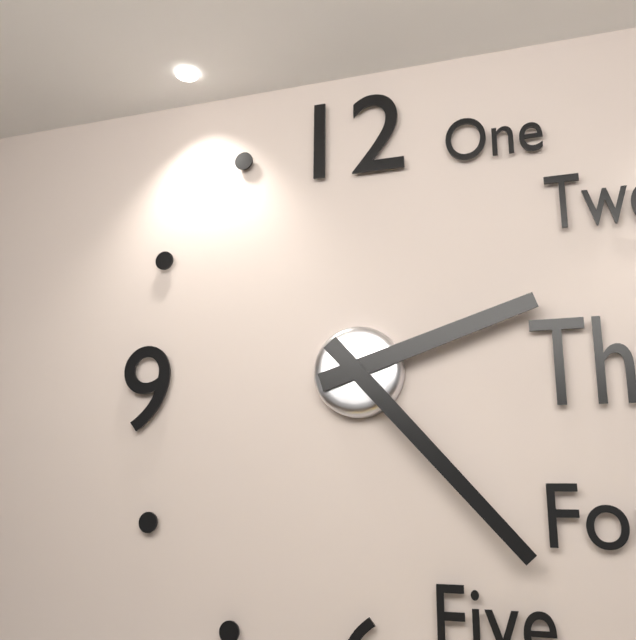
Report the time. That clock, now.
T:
2:23
